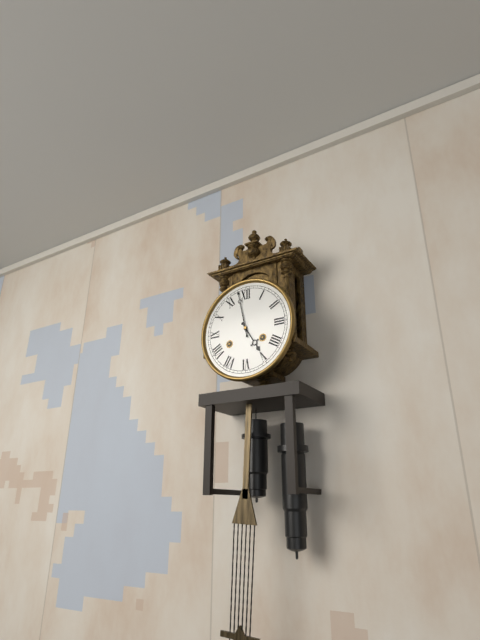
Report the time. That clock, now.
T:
4:58
